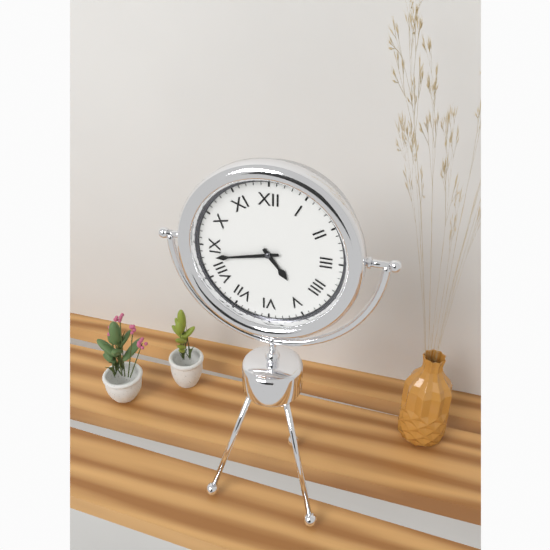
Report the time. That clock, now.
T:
4:43
